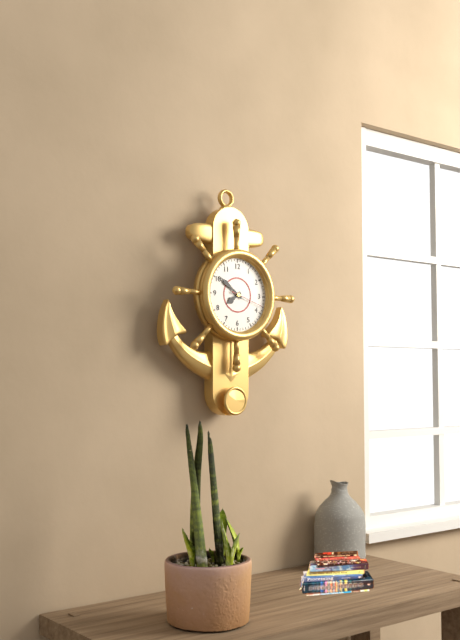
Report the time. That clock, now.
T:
7:51
